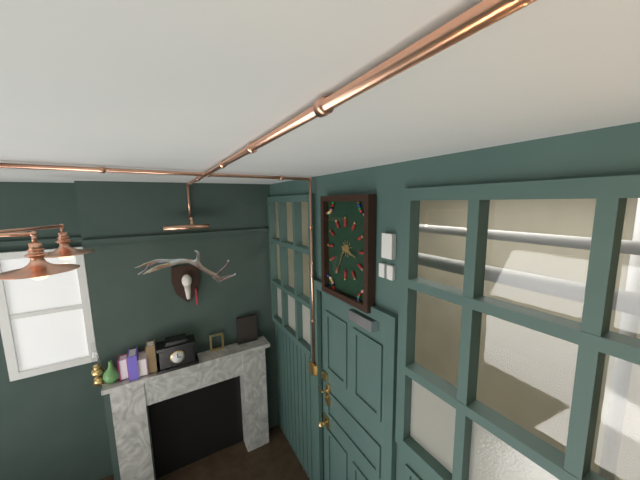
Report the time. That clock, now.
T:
3:34
